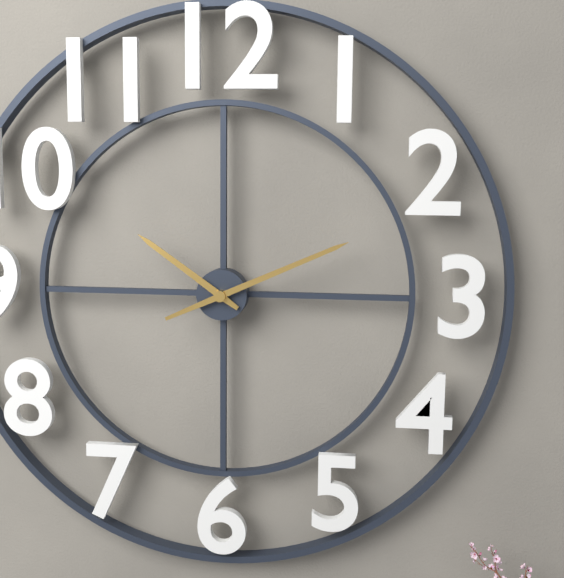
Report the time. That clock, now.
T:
10:11
